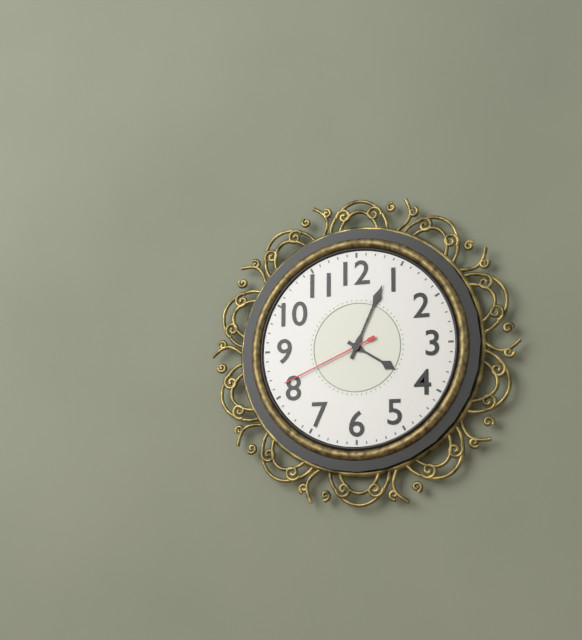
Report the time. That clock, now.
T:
4:04:41
